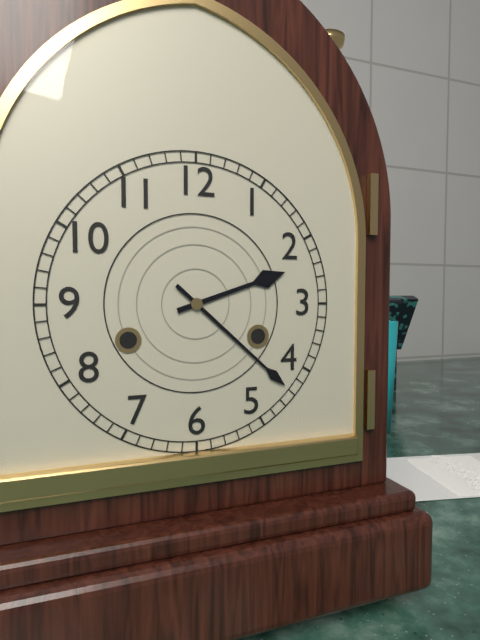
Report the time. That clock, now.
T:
2:22
